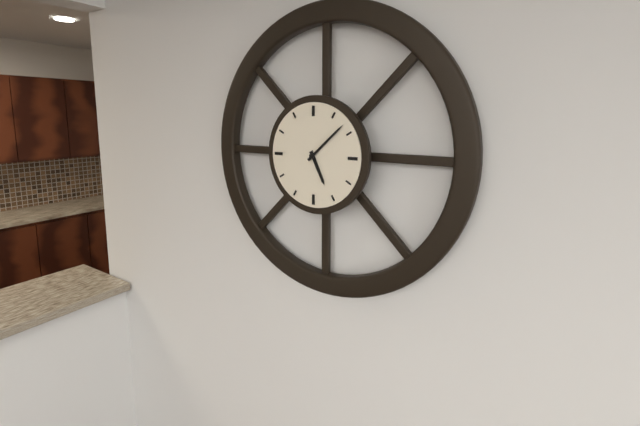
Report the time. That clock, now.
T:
5:08
